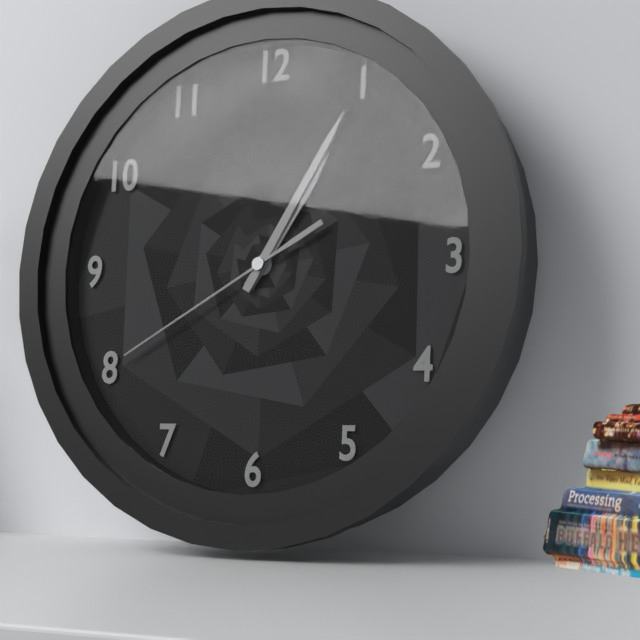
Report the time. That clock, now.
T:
1:05:40
